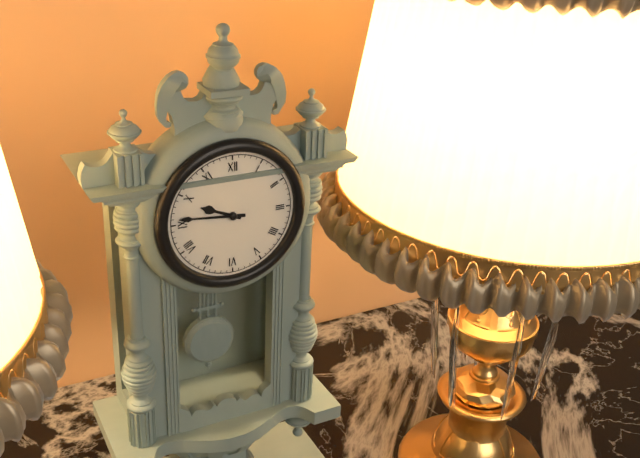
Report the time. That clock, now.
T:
9:46
